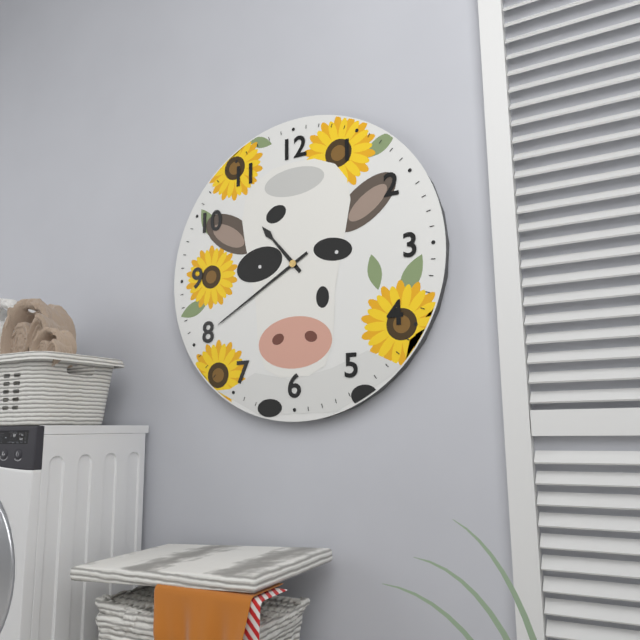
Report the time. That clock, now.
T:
10:40
